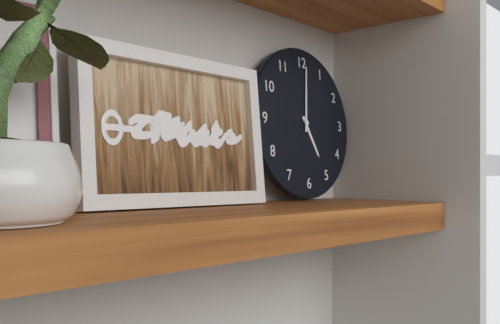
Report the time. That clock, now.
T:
5:01
